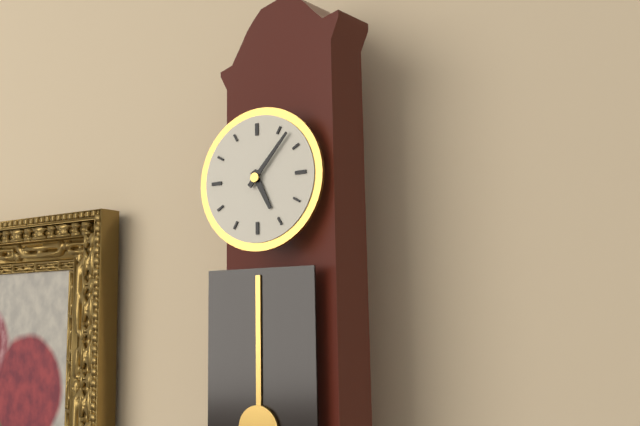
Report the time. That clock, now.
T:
5:07
